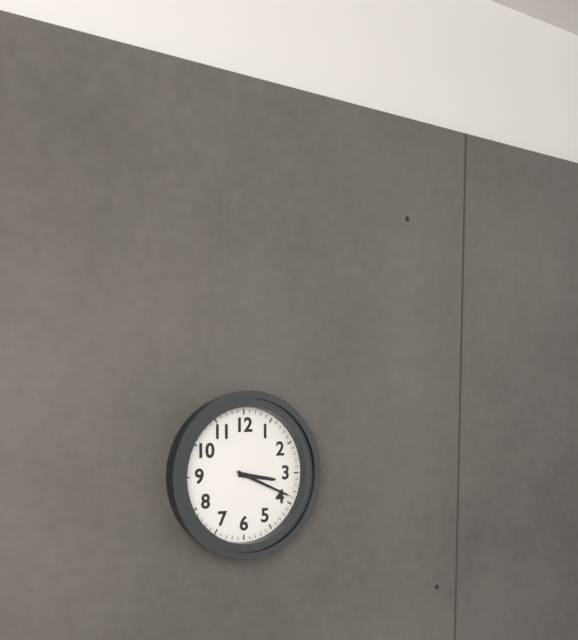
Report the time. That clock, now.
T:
3:19
